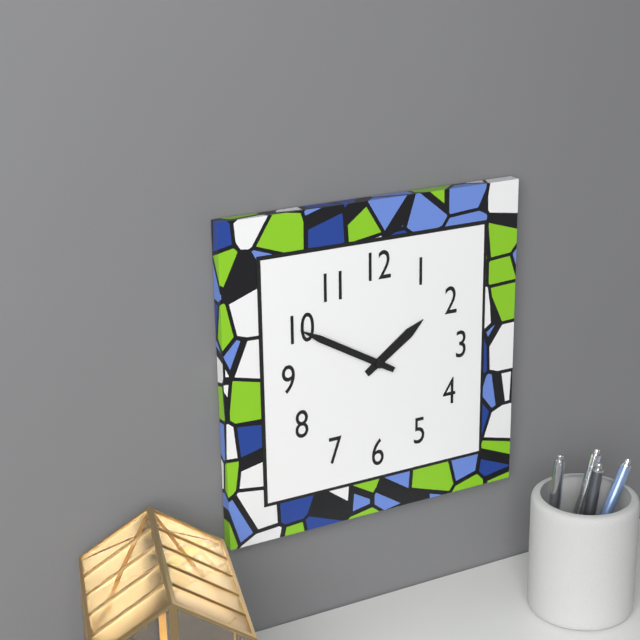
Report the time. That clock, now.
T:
1:50
